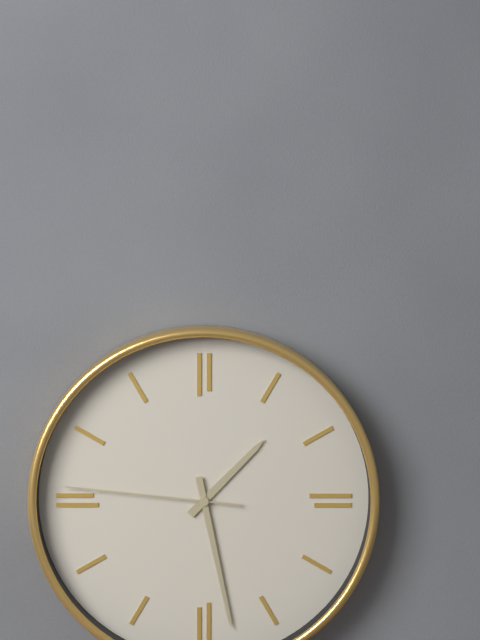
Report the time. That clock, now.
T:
1:28:46
